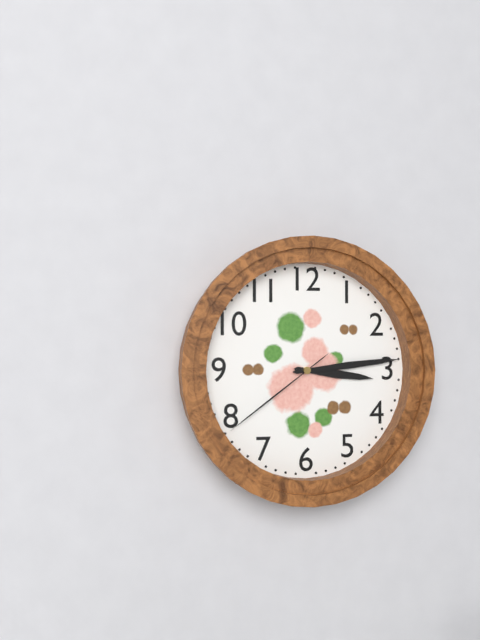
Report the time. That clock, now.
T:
3:14:39
